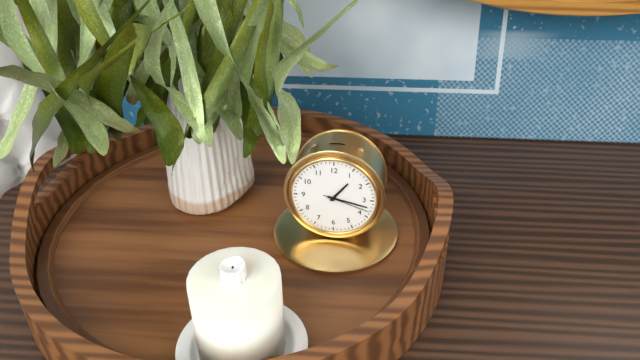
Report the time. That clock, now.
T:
1:17
